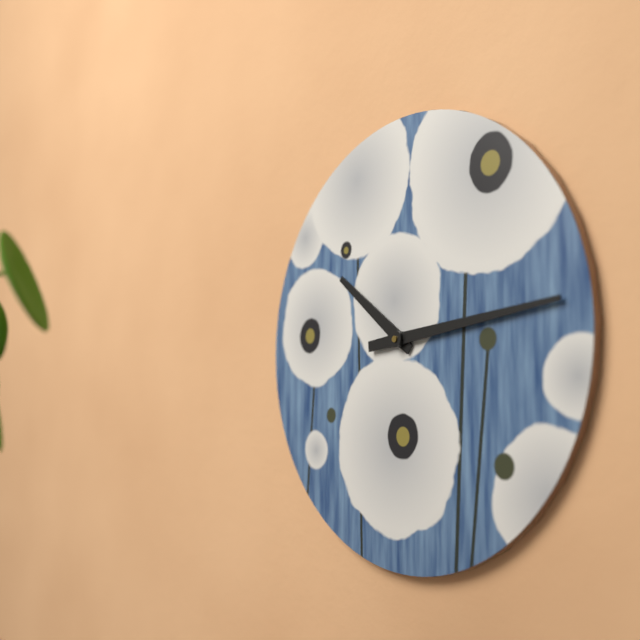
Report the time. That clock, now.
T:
10:14
